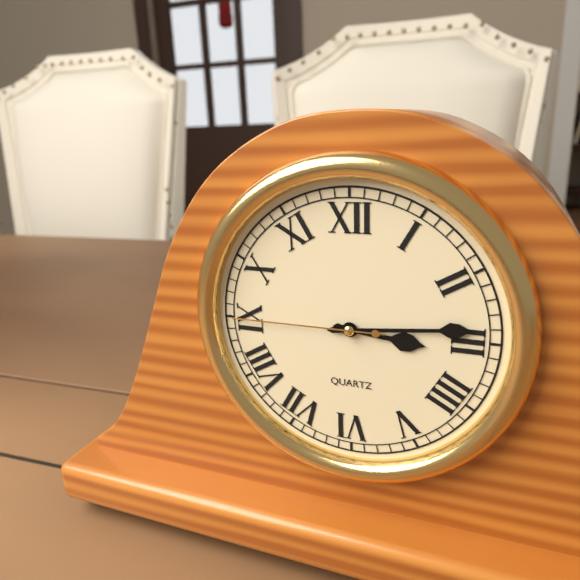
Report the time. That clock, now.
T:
3:14:45
